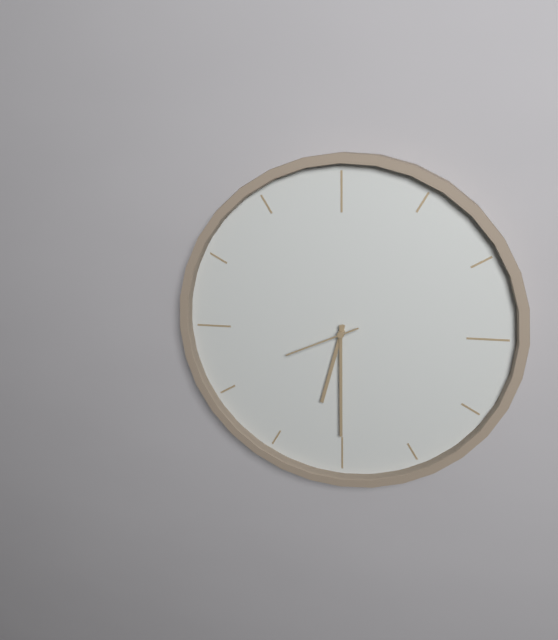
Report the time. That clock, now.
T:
6:30:41
